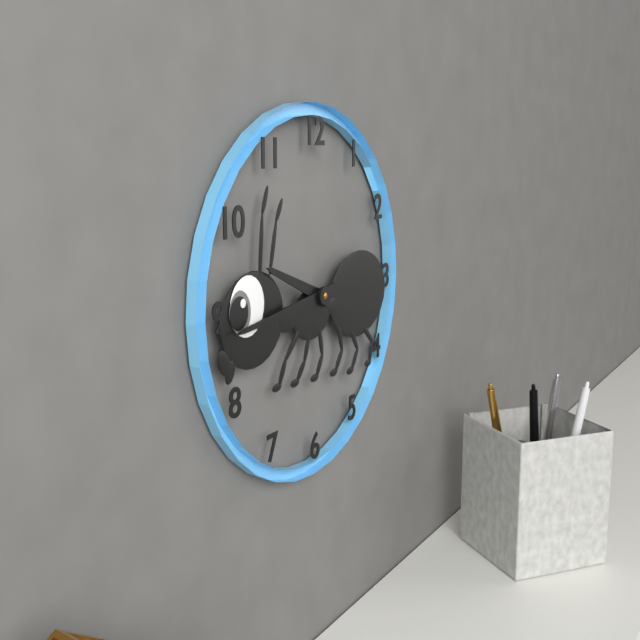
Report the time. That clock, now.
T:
9:44
